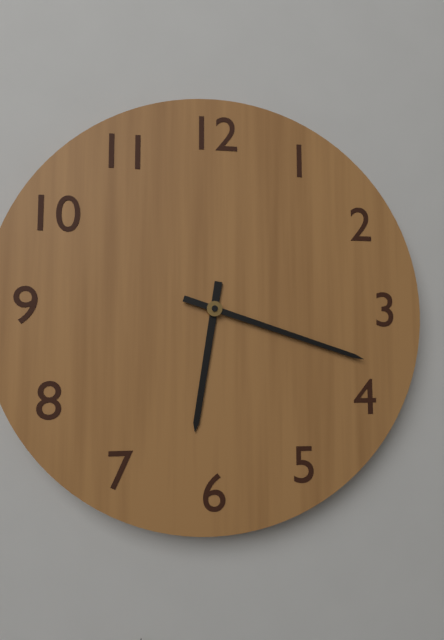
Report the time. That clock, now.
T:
6:18
